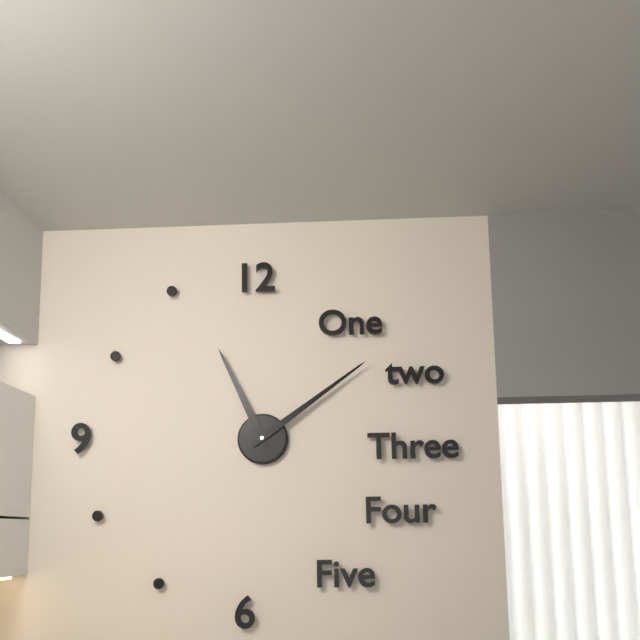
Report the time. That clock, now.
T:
11:09
